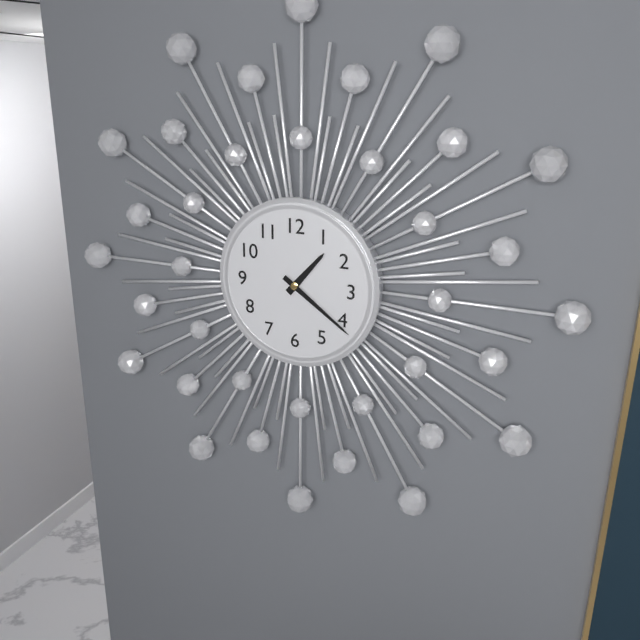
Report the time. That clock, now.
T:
1:21
